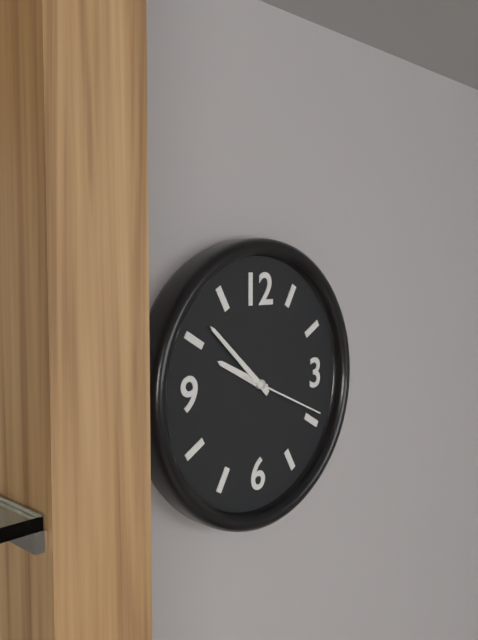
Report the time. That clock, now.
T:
9:52:19
